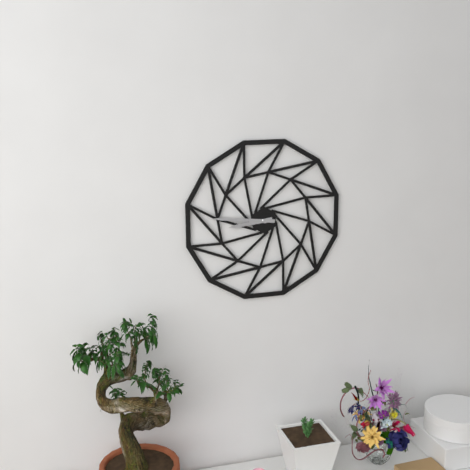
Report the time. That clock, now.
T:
8:46
